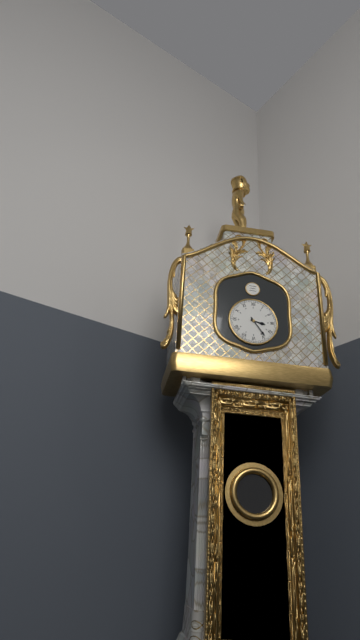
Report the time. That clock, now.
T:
3:24
